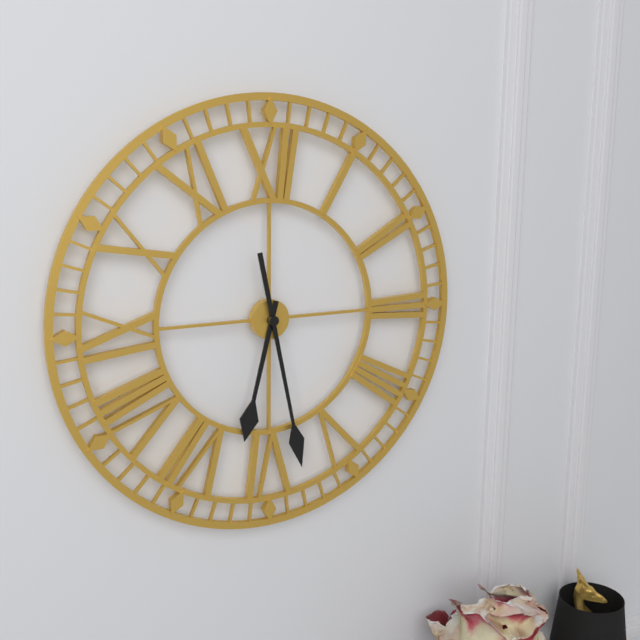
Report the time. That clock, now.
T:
6:28
